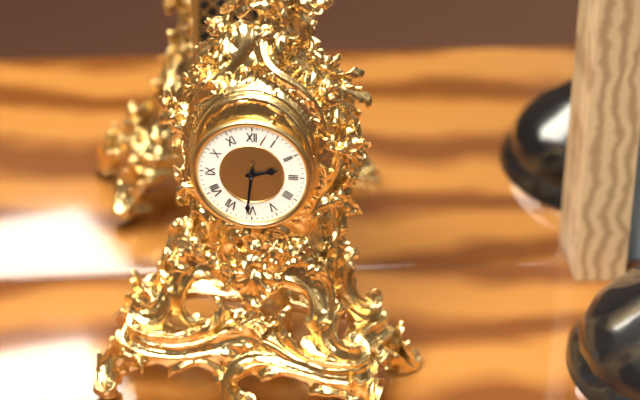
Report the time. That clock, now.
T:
2:31
